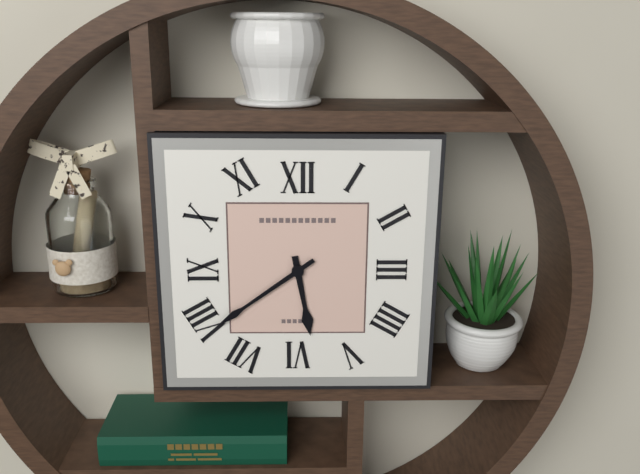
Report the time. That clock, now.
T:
5:39
